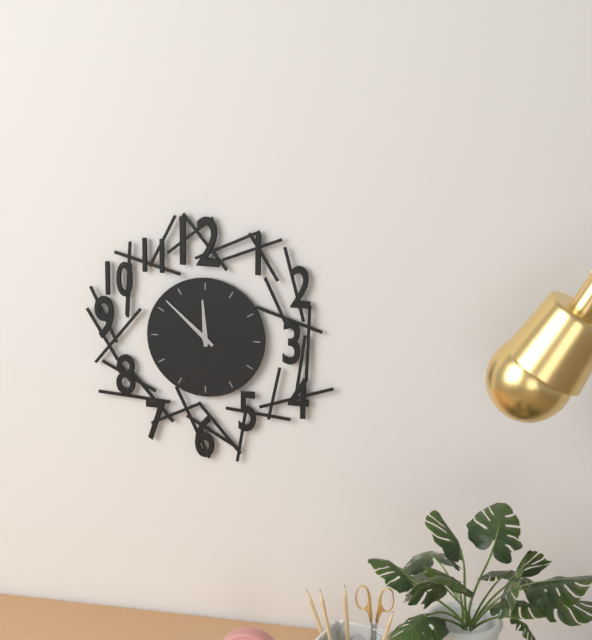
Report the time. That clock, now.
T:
11:52
